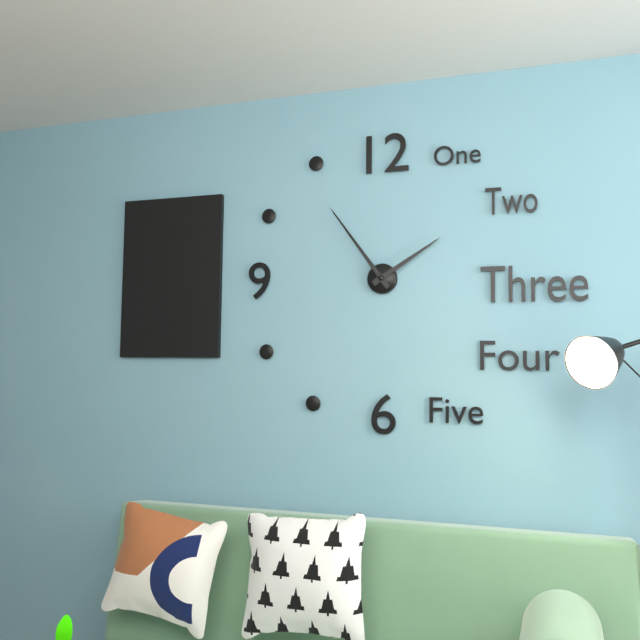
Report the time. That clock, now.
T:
1:54
